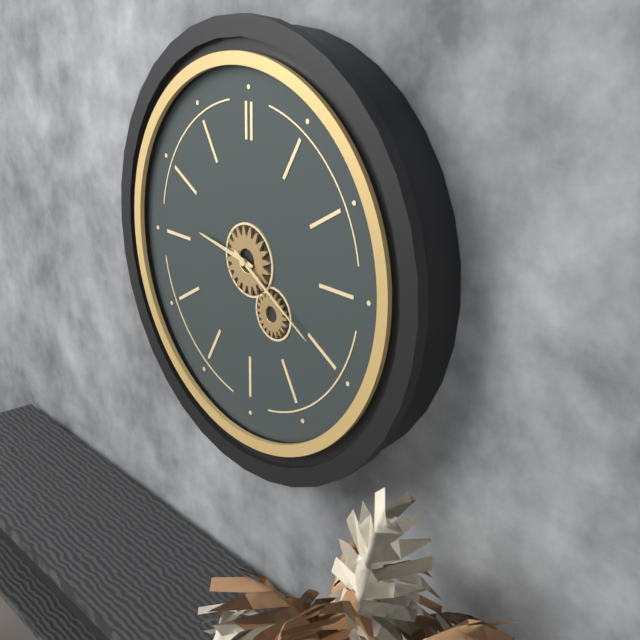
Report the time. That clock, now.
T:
9:20
